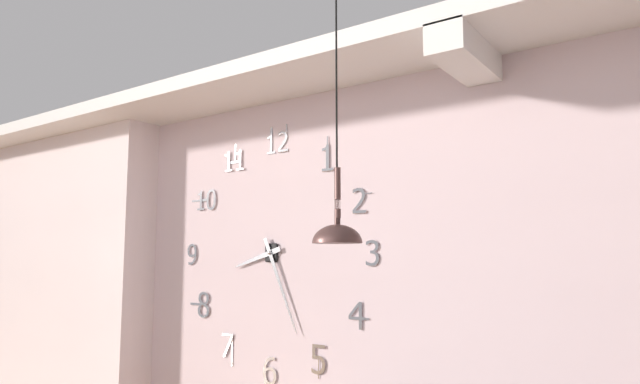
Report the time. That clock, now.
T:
8:26
